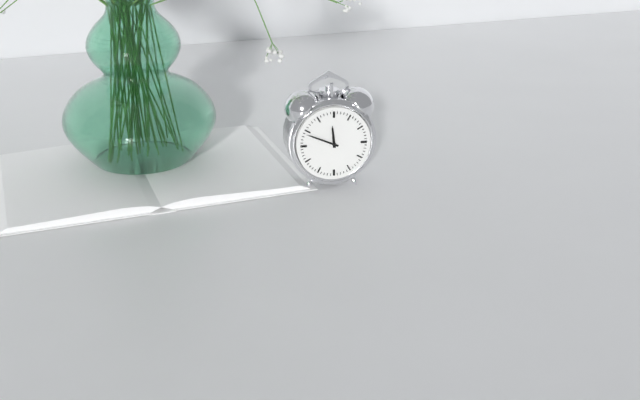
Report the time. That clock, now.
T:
11:49
